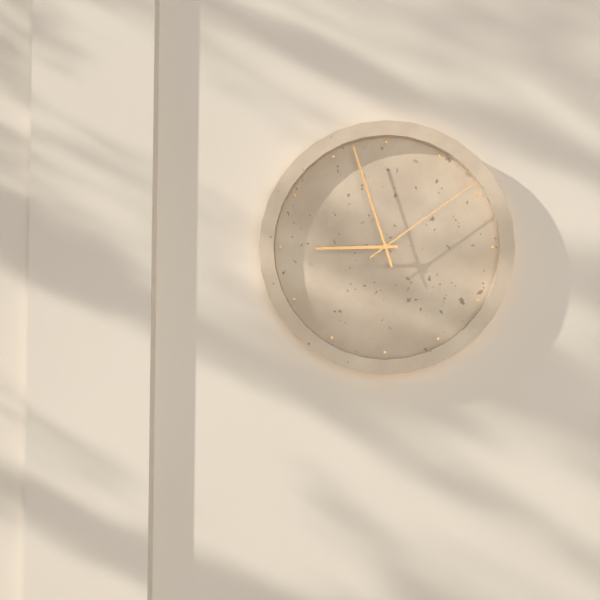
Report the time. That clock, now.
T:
8:57:09
